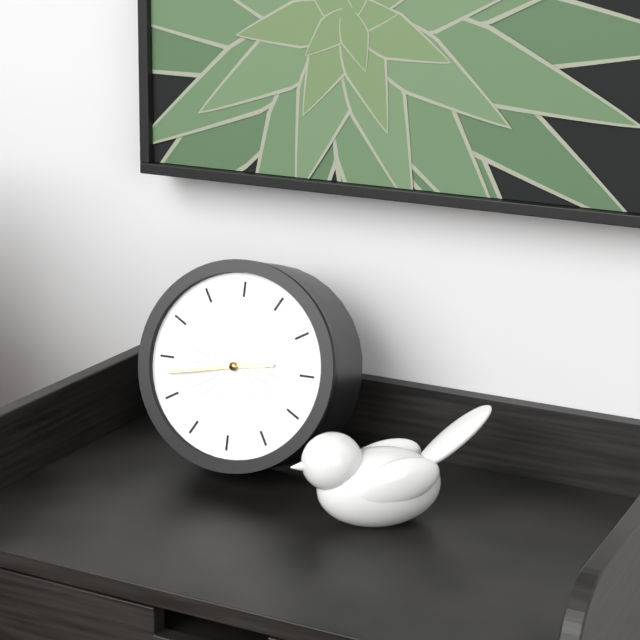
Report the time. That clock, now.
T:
2:43
